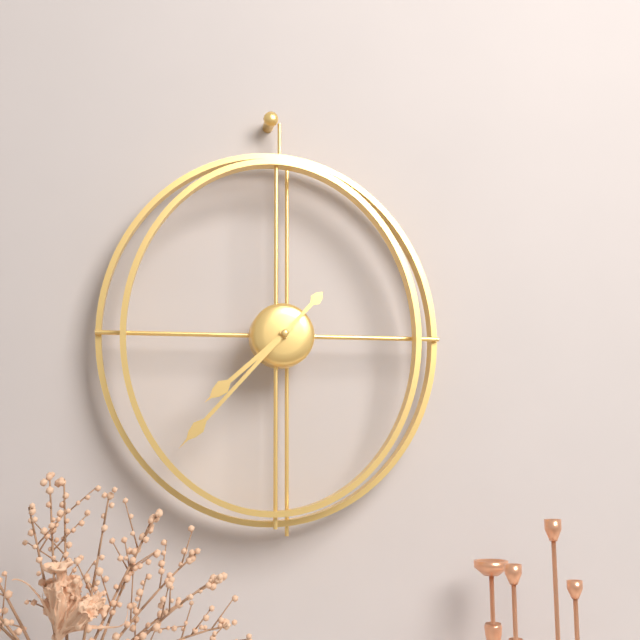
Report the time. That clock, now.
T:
7:37
